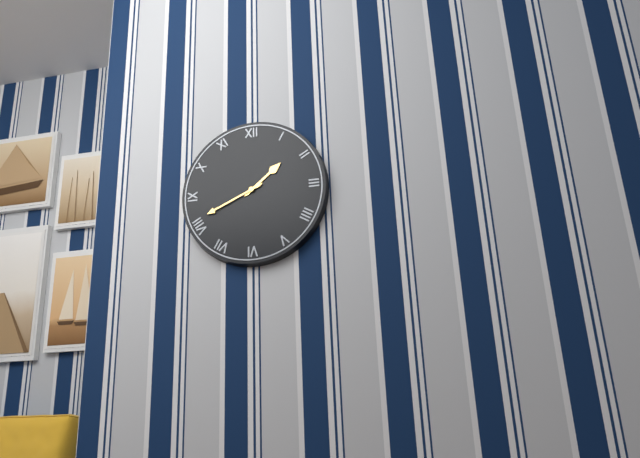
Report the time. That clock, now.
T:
1:41
